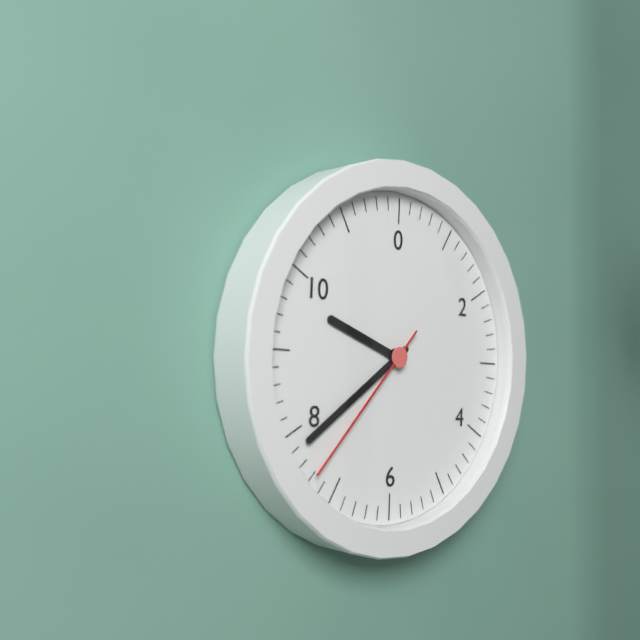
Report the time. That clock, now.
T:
9:39:37
